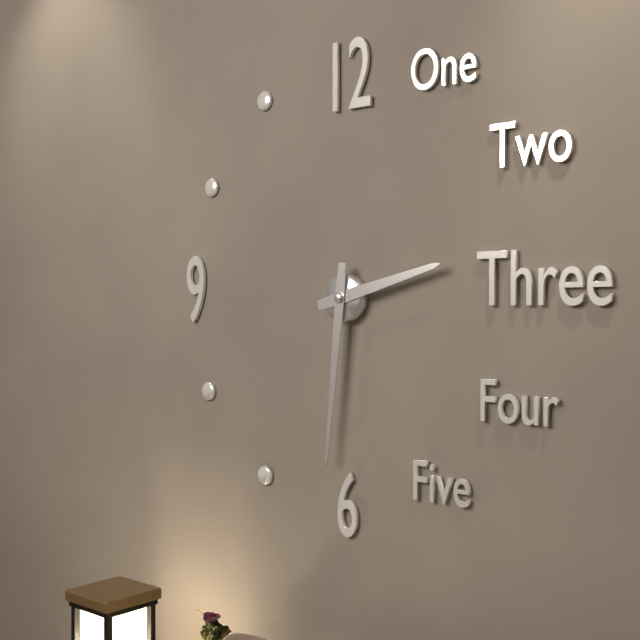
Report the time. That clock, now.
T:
2:31
